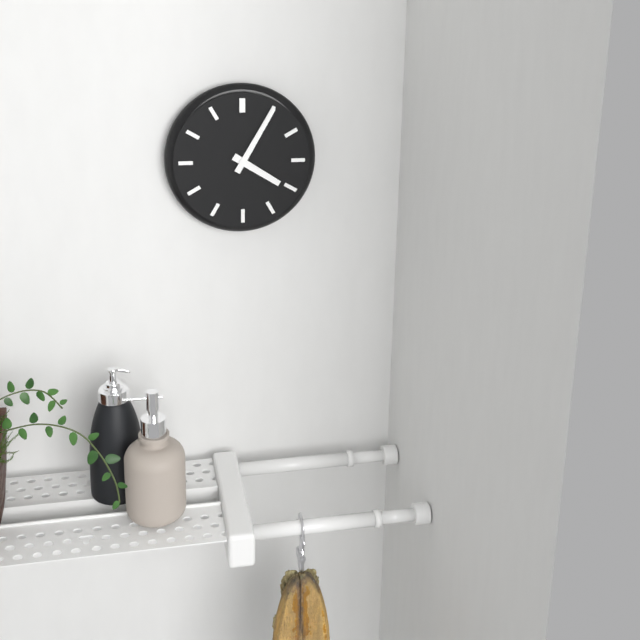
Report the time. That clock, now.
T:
4:05
